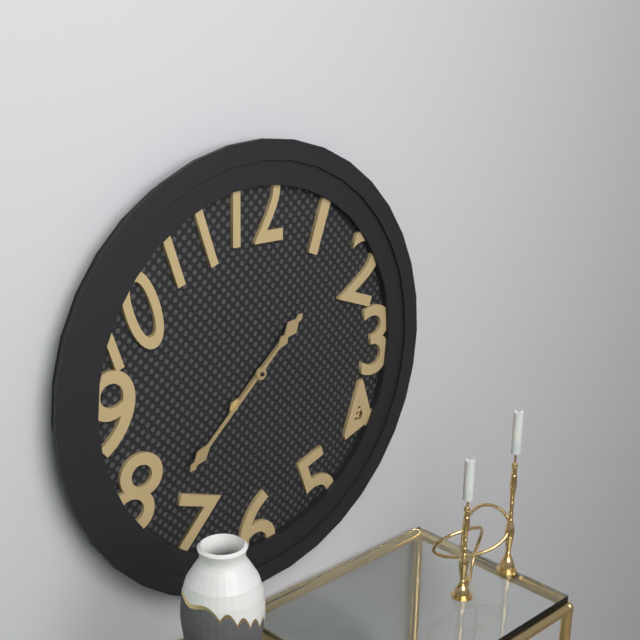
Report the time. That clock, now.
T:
1:38
